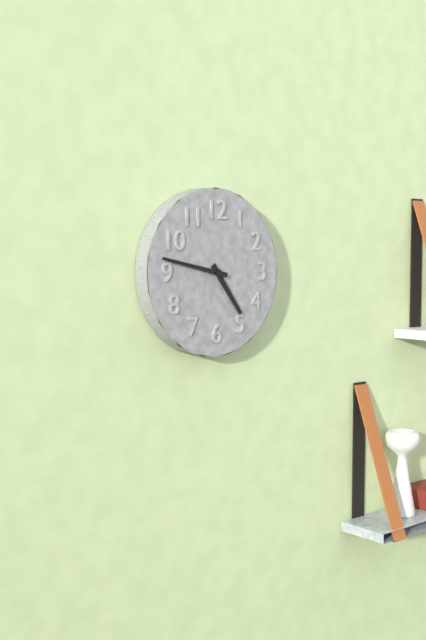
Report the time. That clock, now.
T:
4:47
